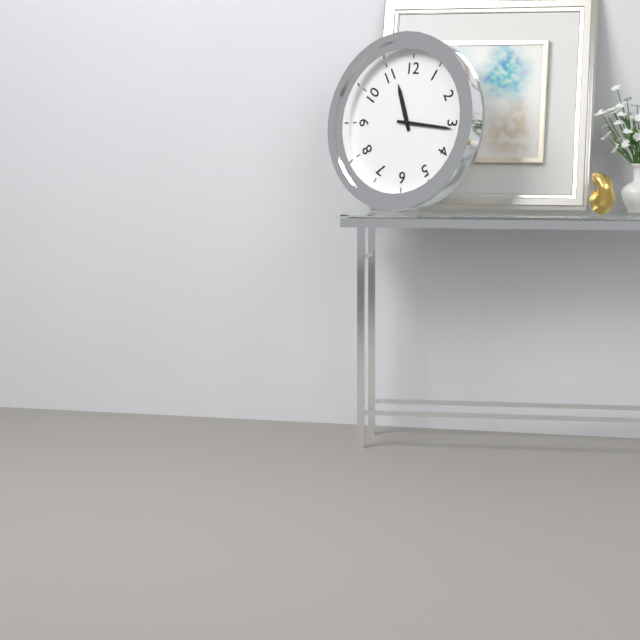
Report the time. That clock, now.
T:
11:16
